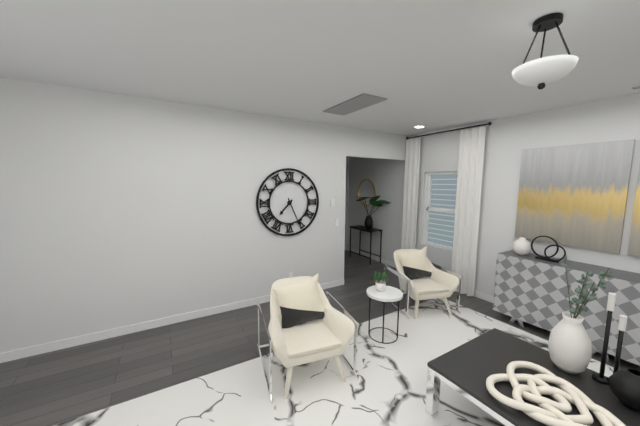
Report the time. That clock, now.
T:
7:26
